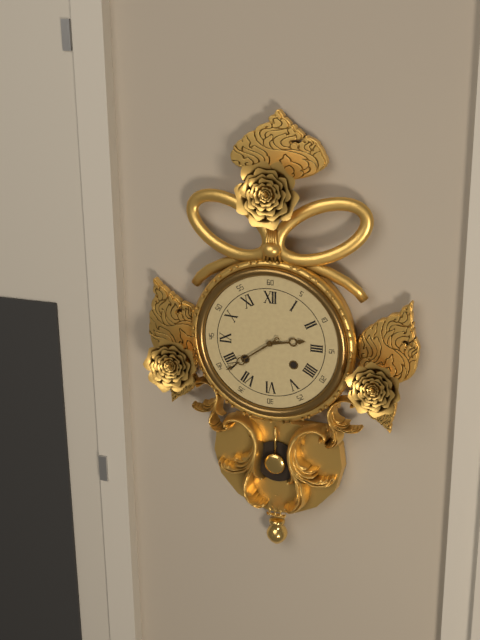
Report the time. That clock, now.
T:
2:39
